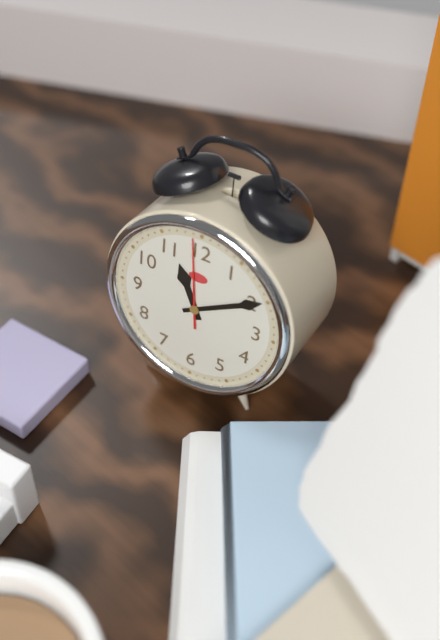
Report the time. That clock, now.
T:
11:10:59
